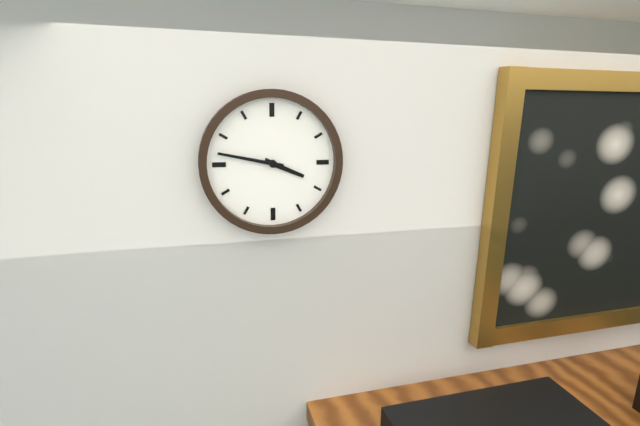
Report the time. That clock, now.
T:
3:47
